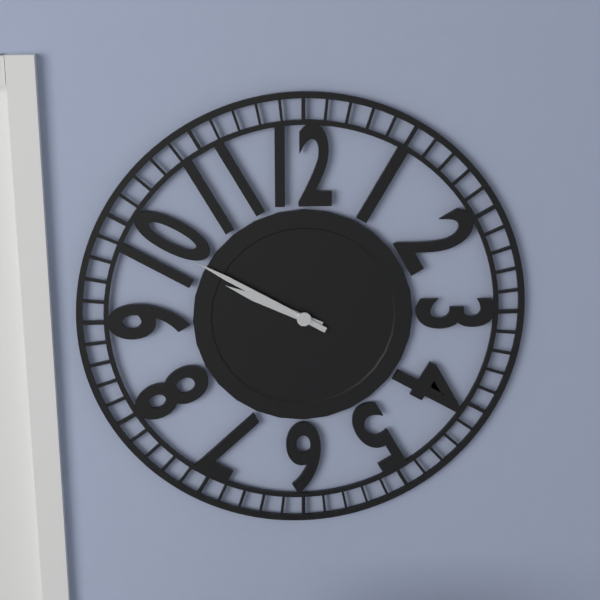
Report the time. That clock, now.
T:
9:50
